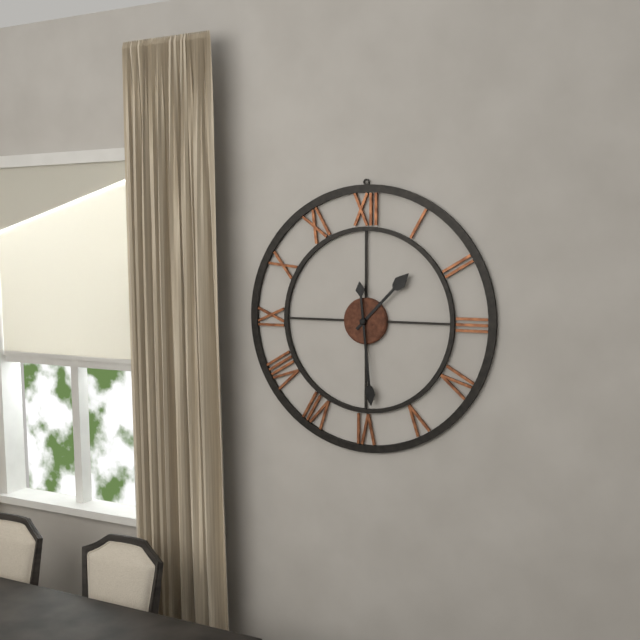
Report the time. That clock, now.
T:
1:29
